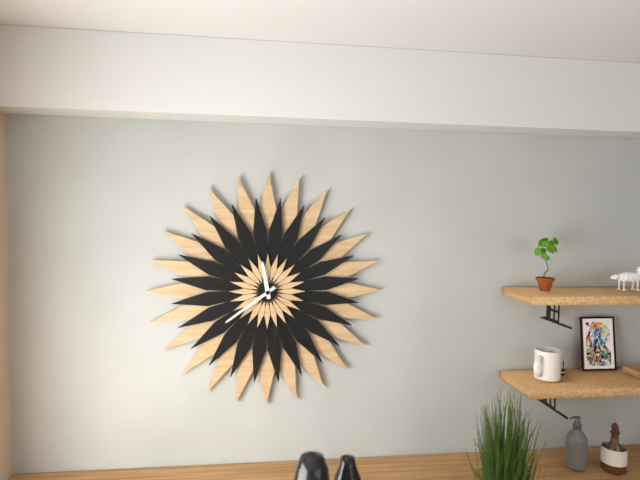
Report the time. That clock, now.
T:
11:39
